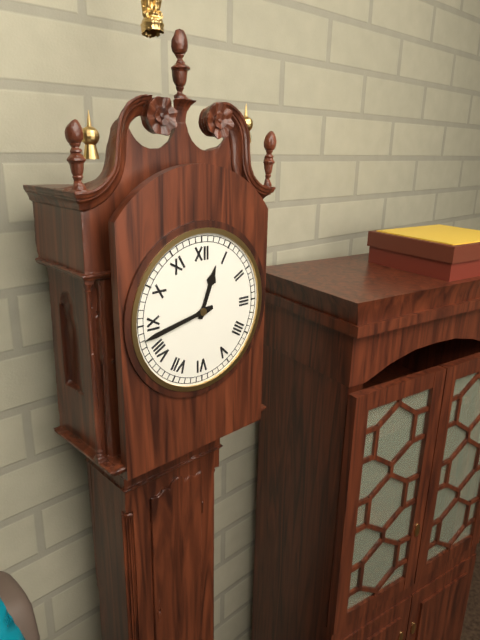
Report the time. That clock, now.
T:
12:43
